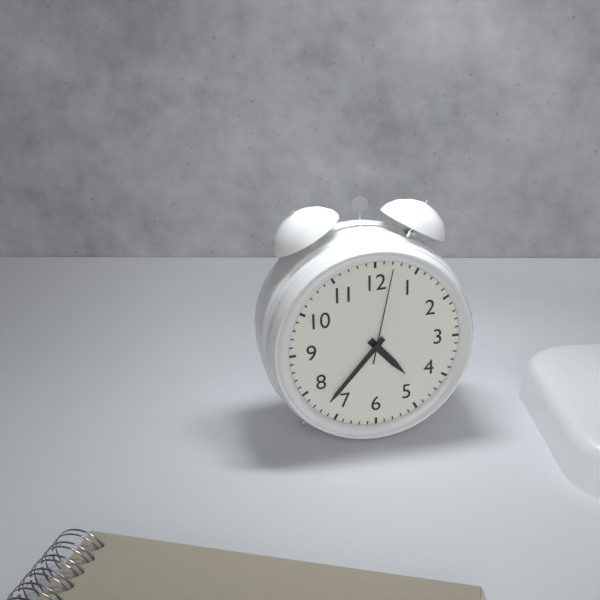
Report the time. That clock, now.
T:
4:37:02
